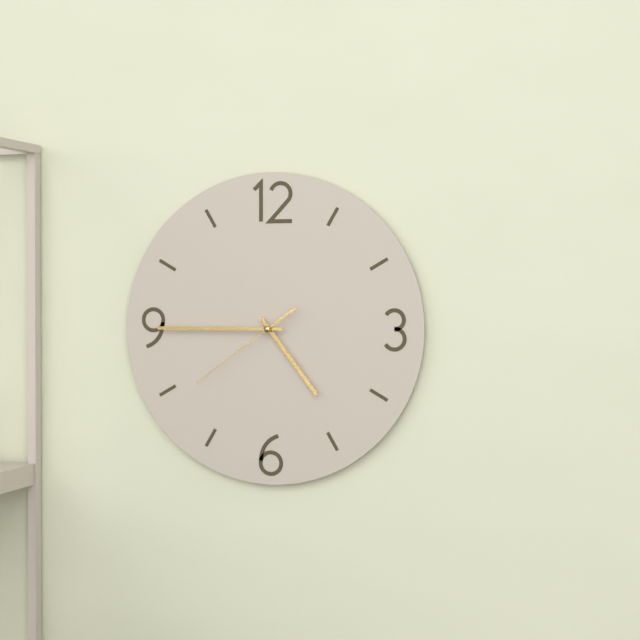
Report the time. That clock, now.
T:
4:45:39
